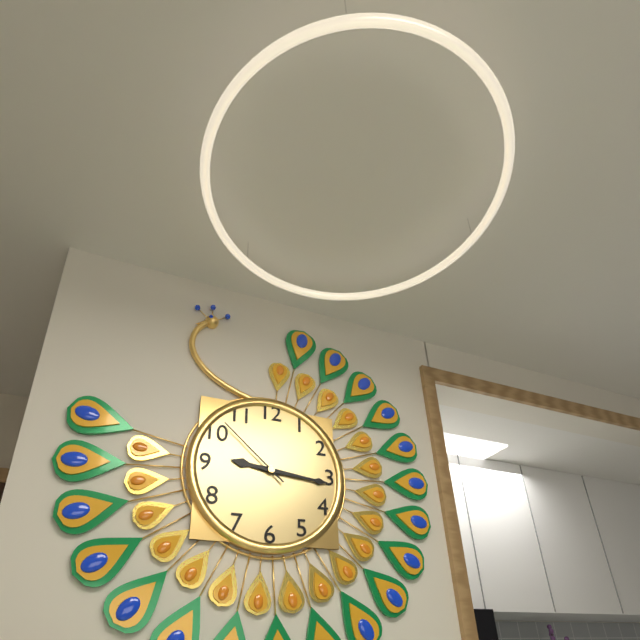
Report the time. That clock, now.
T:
9:16:52
